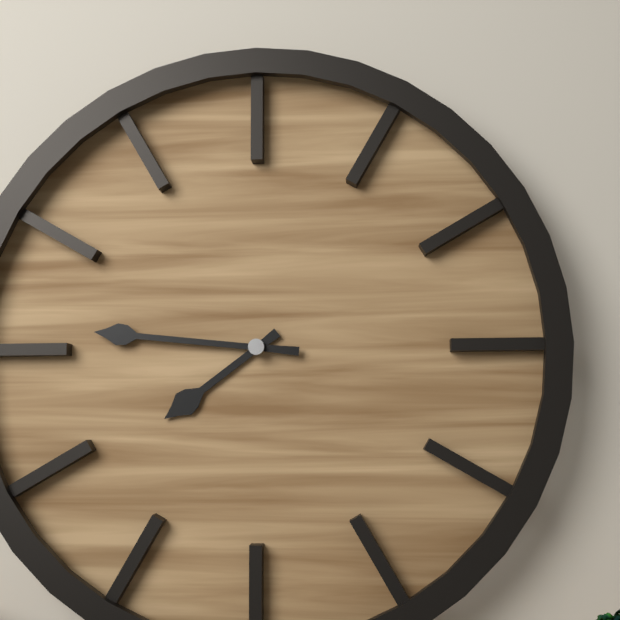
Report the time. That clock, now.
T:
7:46
